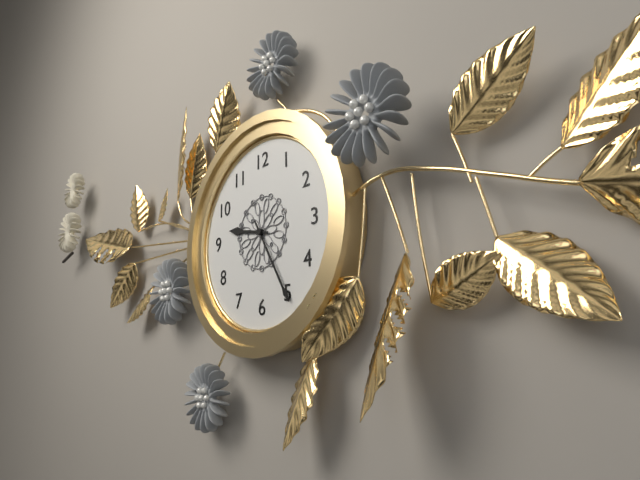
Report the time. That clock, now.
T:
9:25
